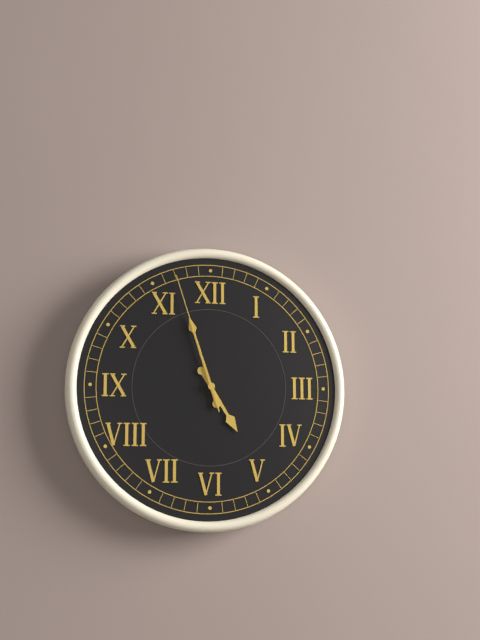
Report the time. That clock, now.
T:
4:57:57
